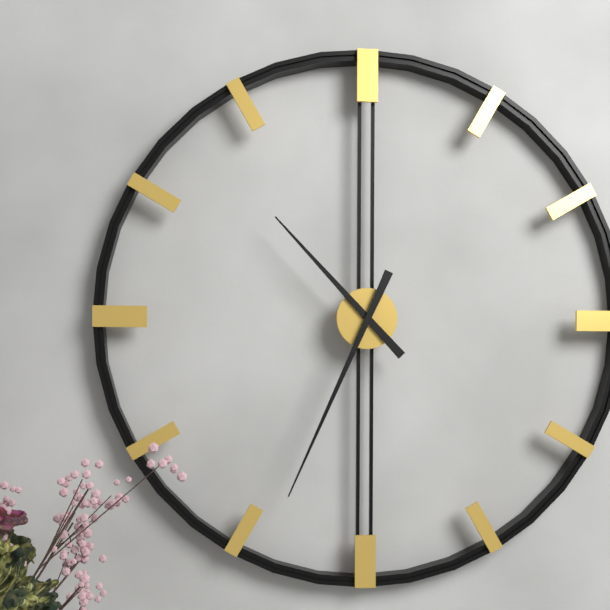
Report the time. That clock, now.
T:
10:34
